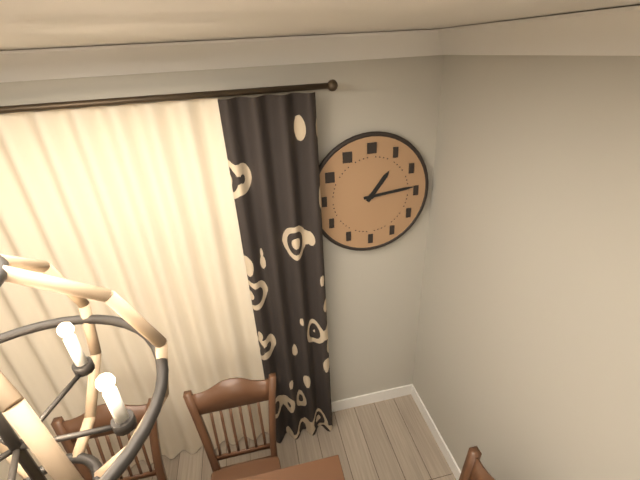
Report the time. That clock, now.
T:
1:14
